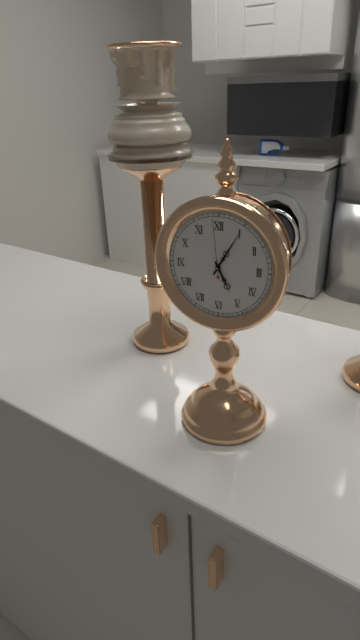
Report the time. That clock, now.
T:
5:05:59
